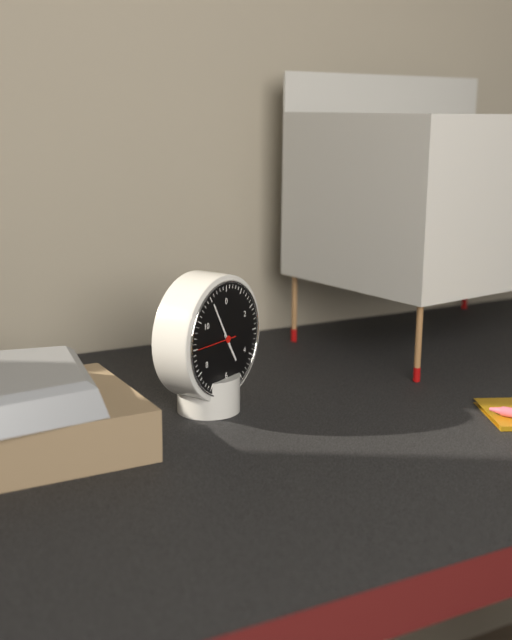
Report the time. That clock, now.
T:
4:55
